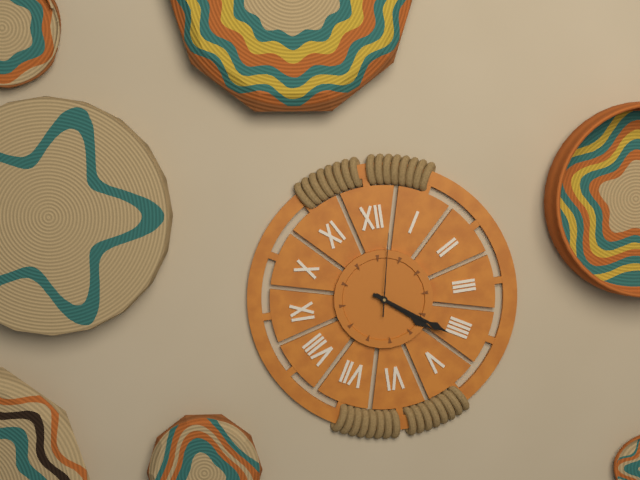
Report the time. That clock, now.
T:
4:21:02
